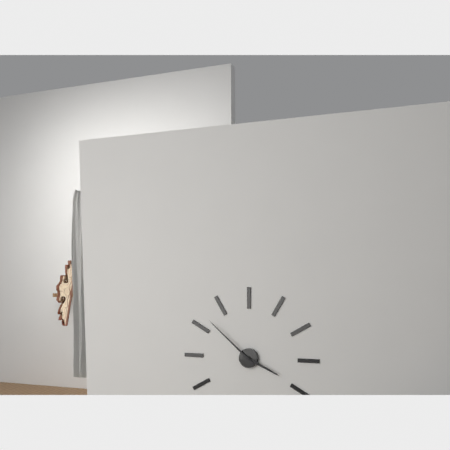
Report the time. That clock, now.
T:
3:52
